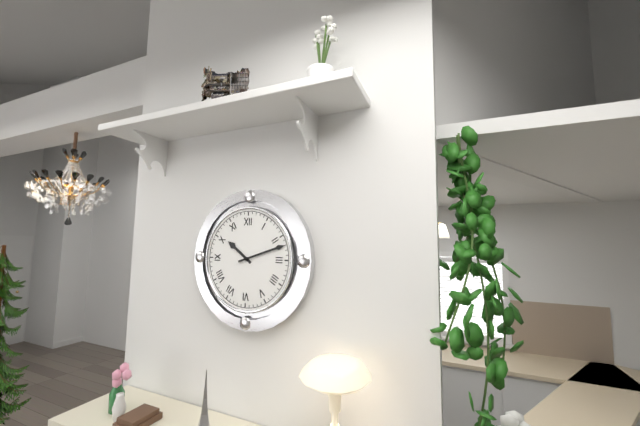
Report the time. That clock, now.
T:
10:12
